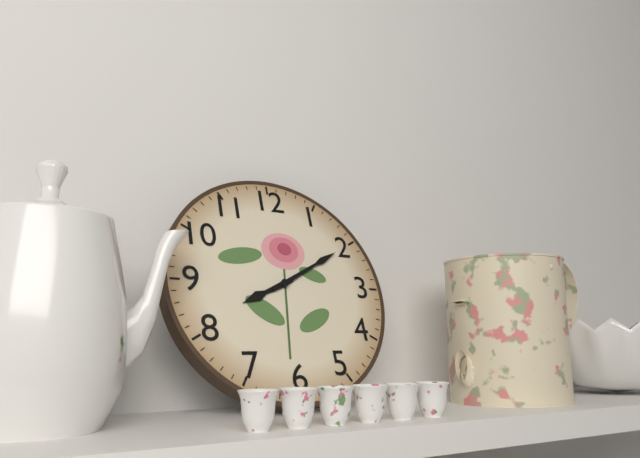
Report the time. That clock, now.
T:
8:10
